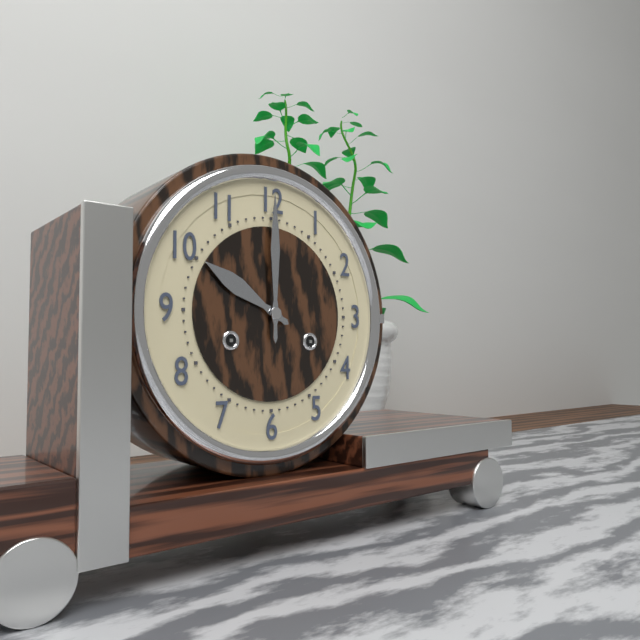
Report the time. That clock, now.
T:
10:00
